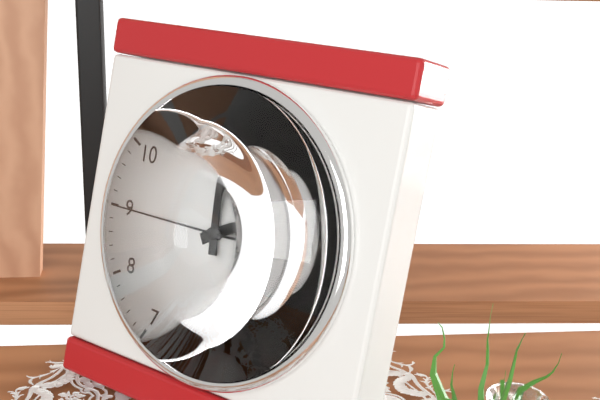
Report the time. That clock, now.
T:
1:59:45
